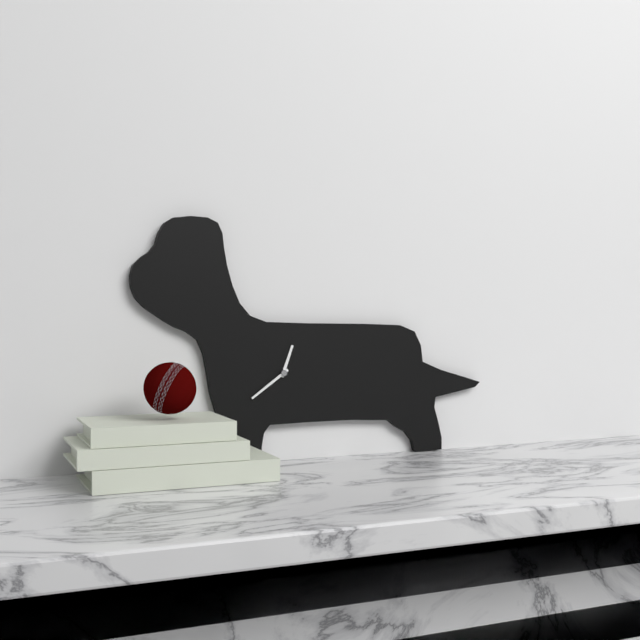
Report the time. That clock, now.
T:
12:39
